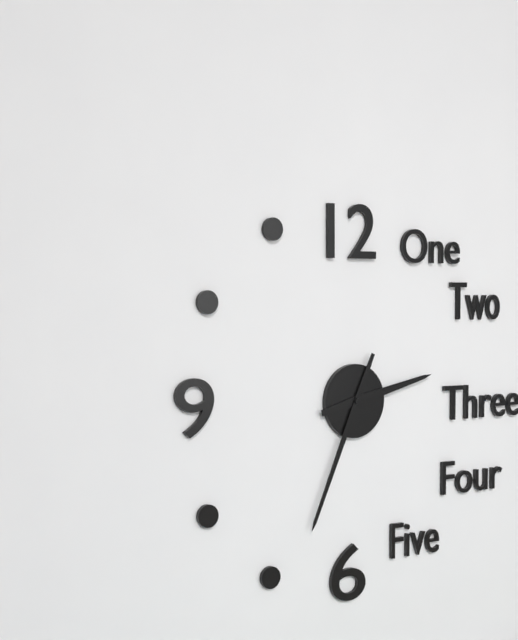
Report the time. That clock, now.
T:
2:34
